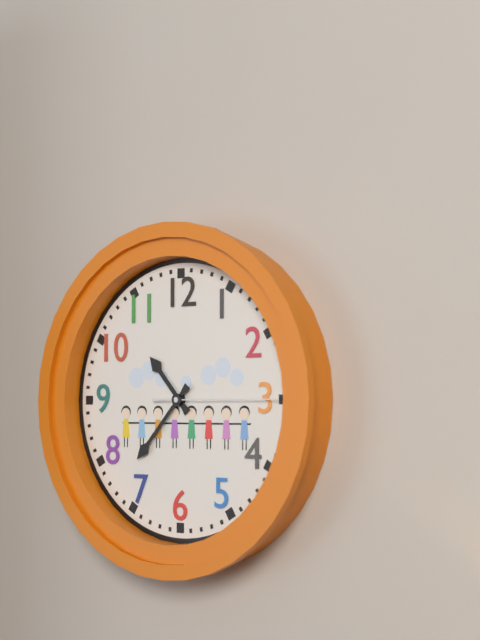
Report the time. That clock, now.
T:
10:37:15
